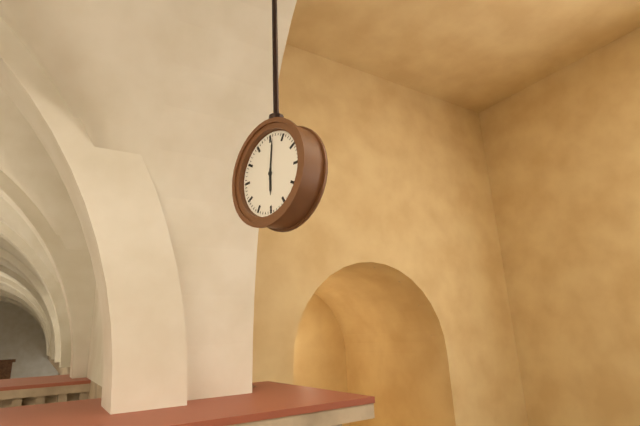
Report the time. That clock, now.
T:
6:01
